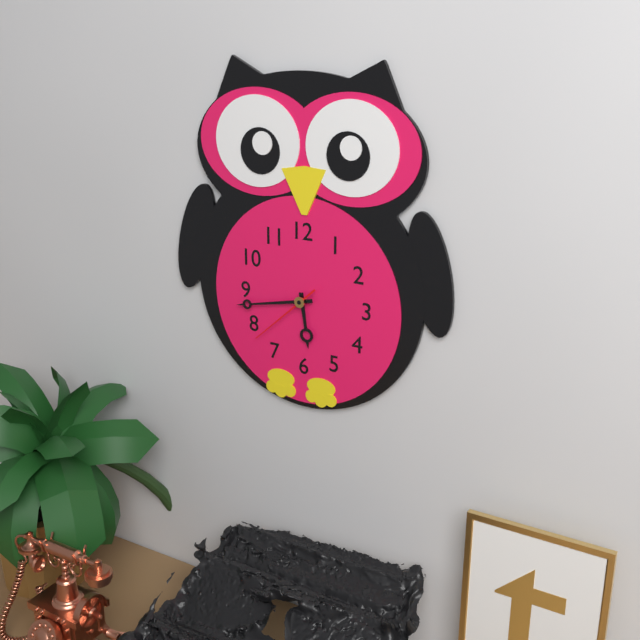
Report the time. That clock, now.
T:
5:43:38
